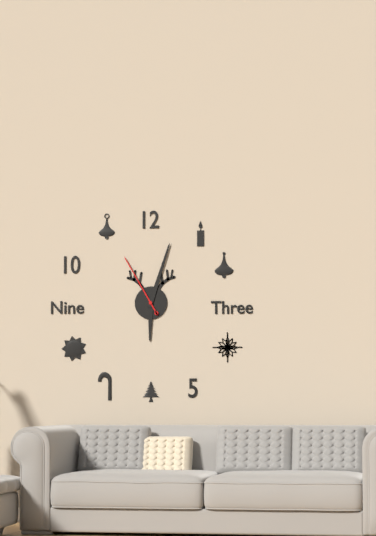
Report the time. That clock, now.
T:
6:03:55
